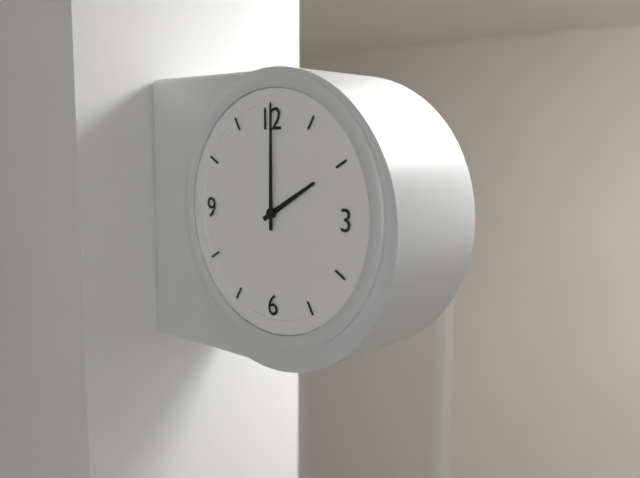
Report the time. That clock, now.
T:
2:00
